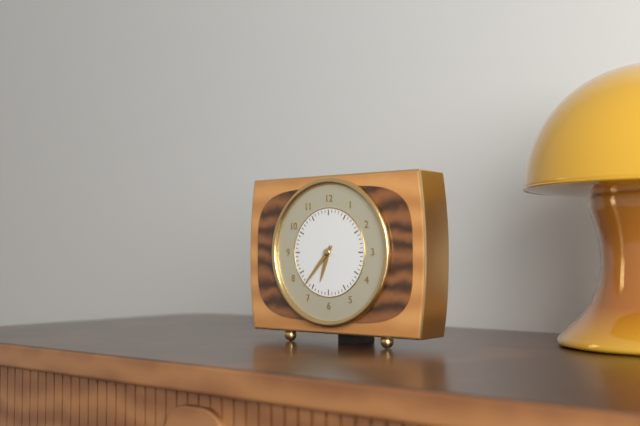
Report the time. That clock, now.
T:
6:37
